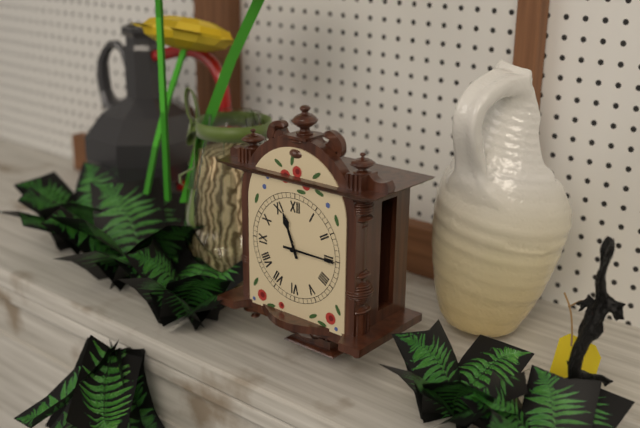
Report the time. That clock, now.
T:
11:15
